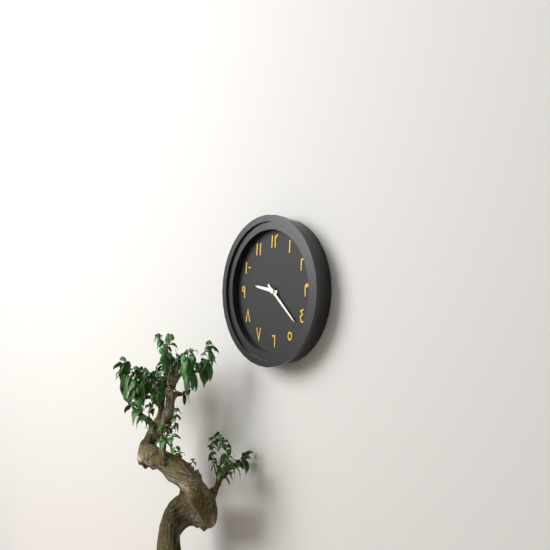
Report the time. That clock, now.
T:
9:22
